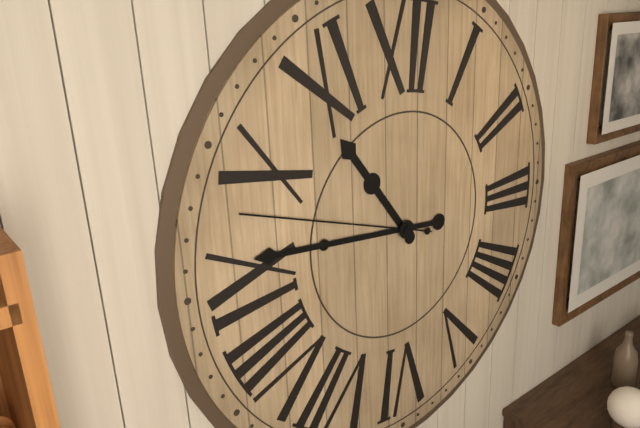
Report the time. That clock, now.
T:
10:46:48
